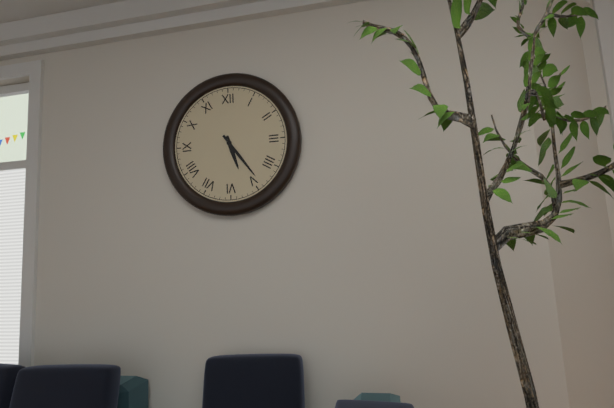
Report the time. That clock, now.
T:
5:24
